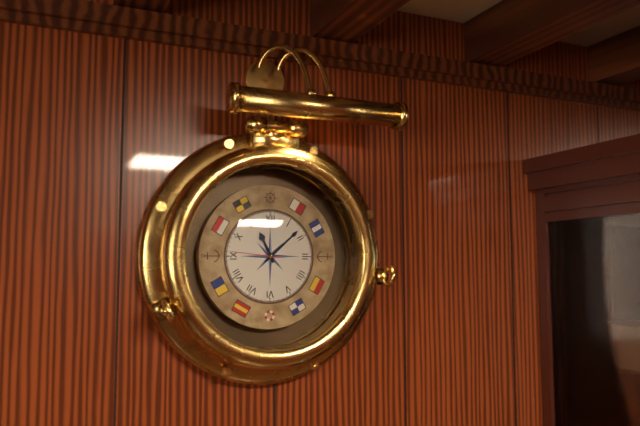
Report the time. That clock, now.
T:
11:08
